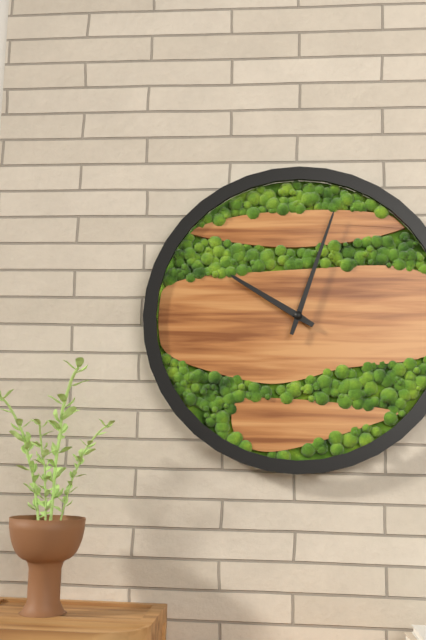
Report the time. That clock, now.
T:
10:03
